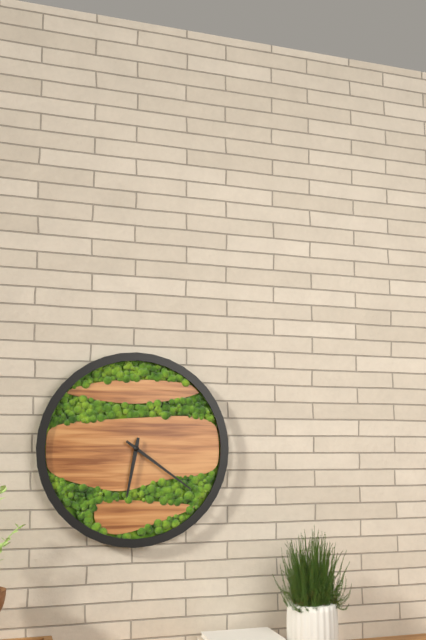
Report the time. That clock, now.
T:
6:21
